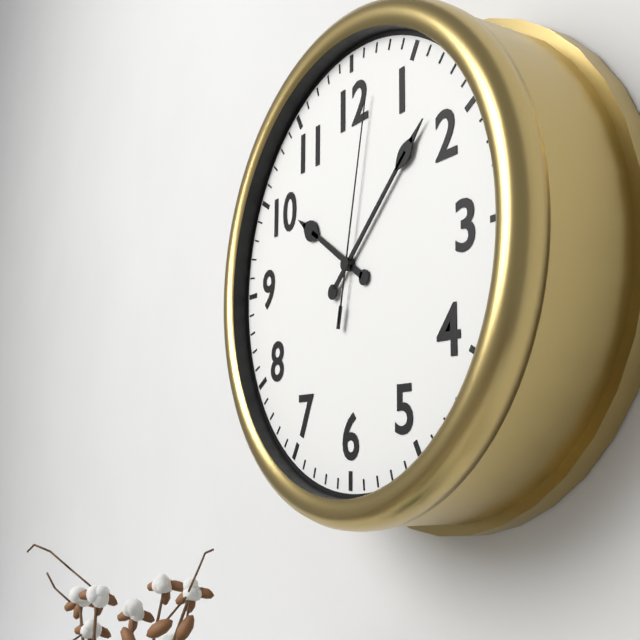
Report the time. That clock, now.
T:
10:08:02
